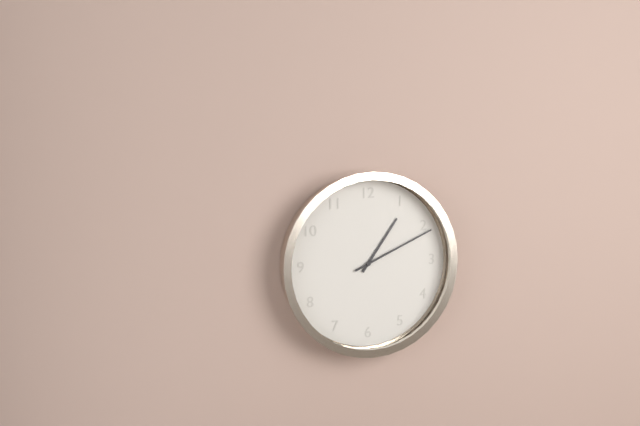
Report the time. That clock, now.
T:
1:11
